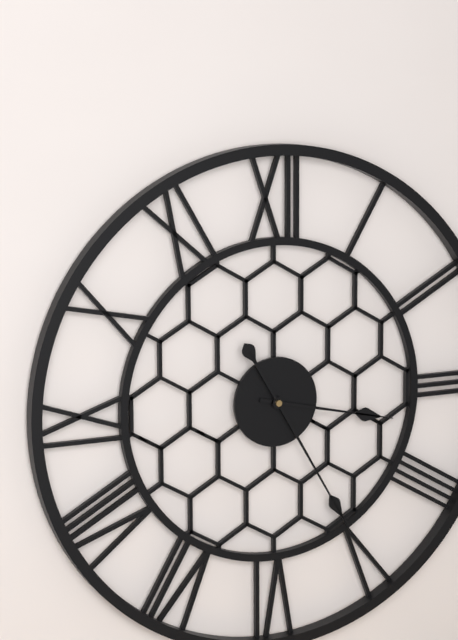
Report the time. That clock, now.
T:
3:25
